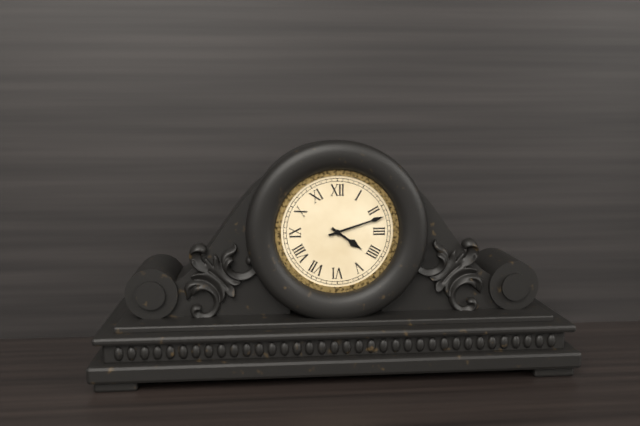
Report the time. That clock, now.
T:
4:12
